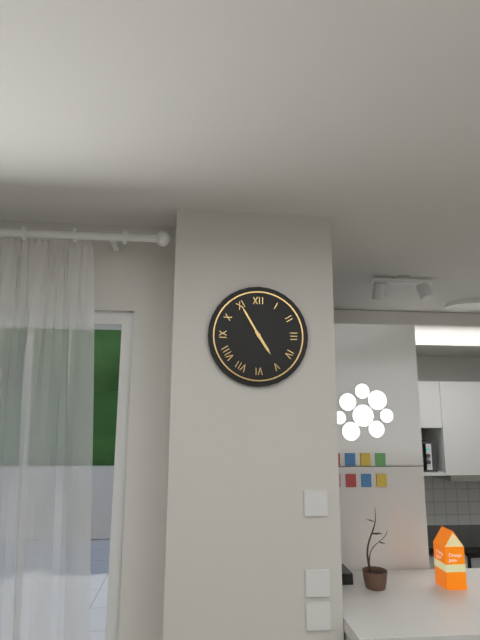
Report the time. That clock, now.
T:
4:55
